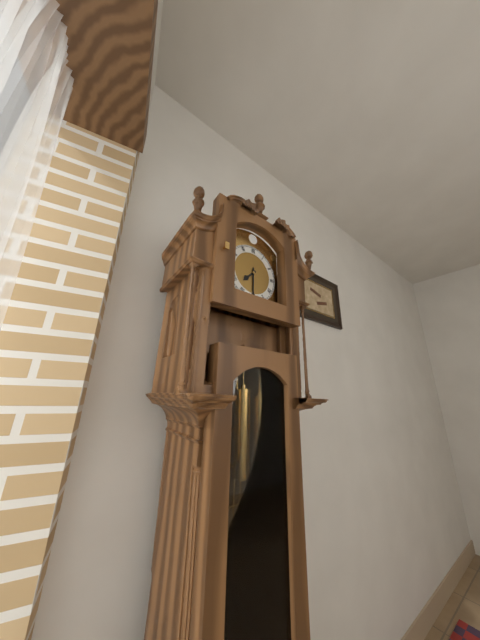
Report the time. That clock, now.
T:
7:30
